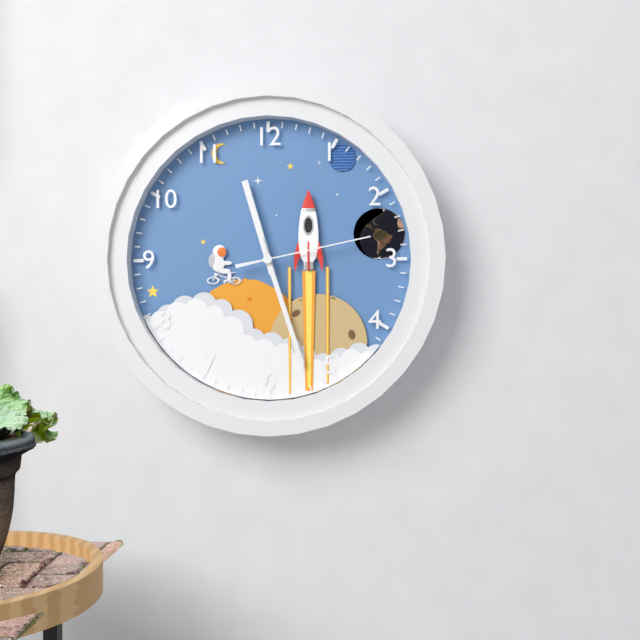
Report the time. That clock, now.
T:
11:27:13
